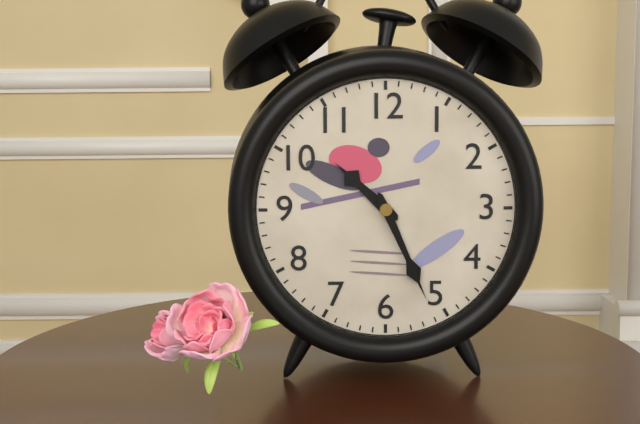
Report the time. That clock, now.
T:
10:26
